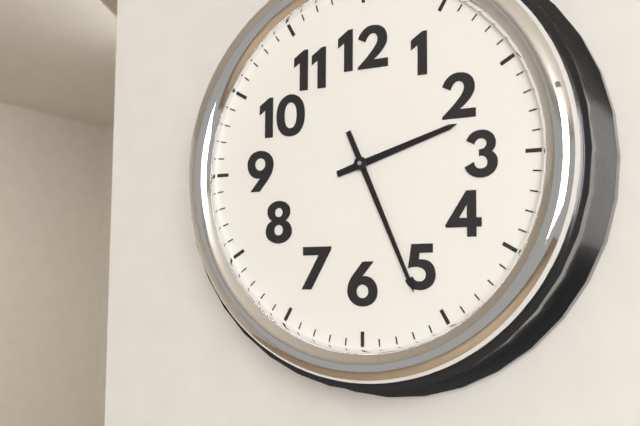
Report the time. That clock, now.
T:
2:26
